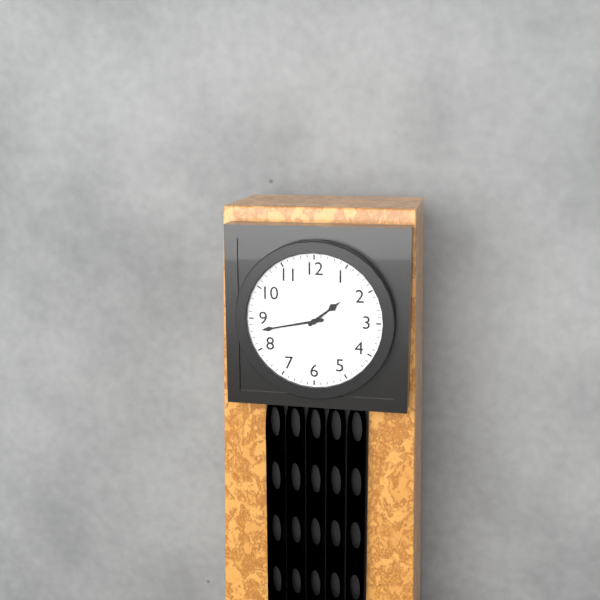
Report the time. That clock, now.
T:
1:43
